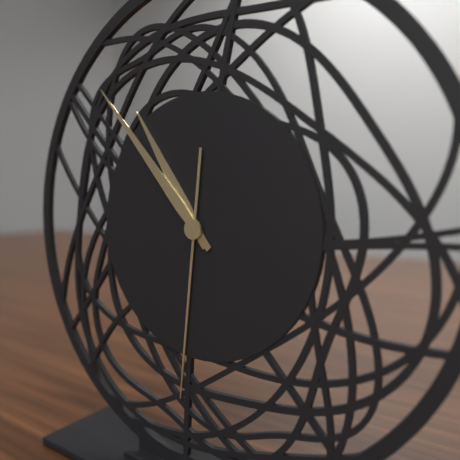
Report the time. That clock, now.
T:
10:53:31
